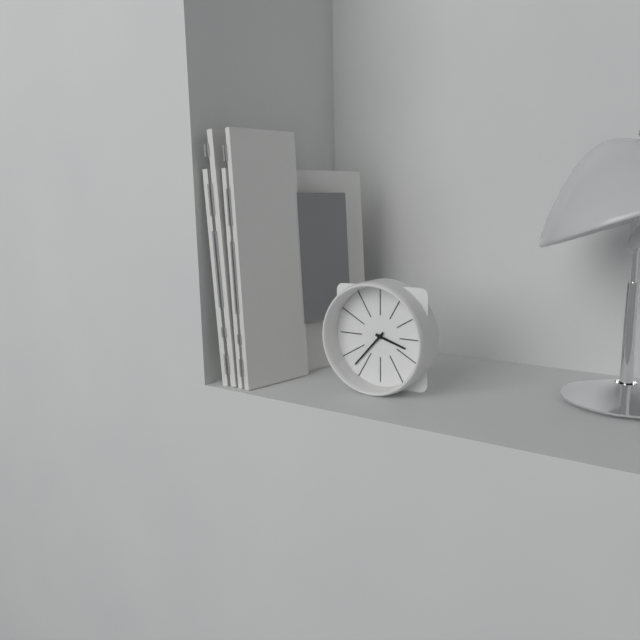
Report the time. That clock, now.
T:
3:37
